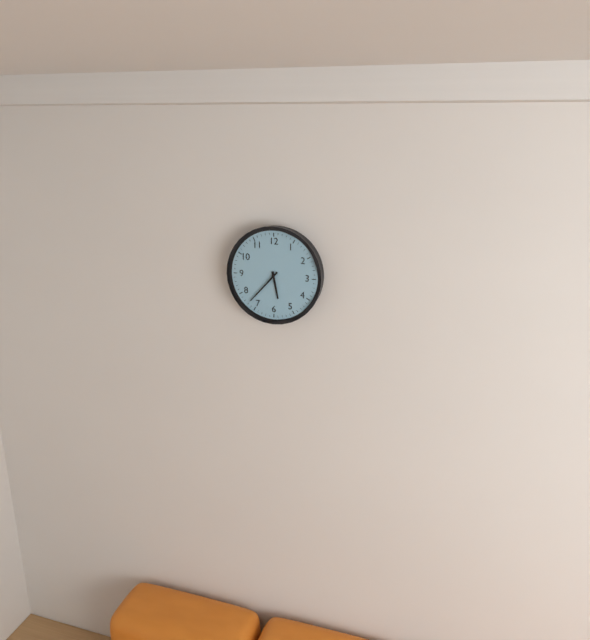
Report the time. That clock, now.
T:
5:37
